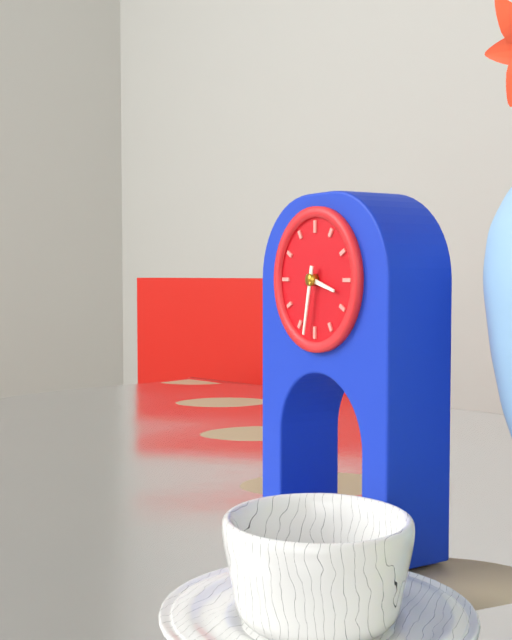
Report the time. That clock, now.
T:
3:32
